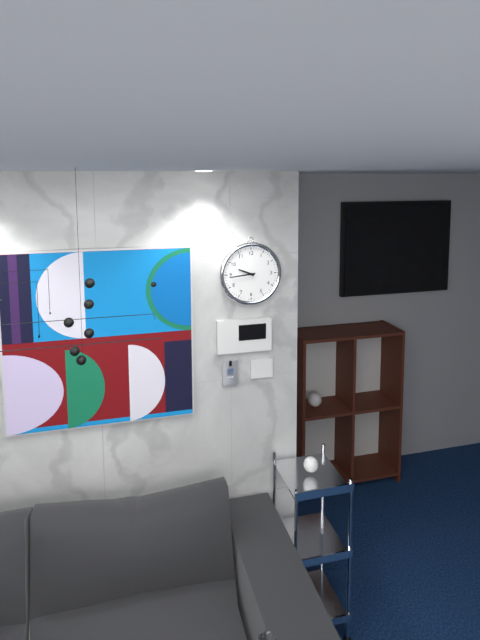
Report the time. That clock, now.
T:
9:44
